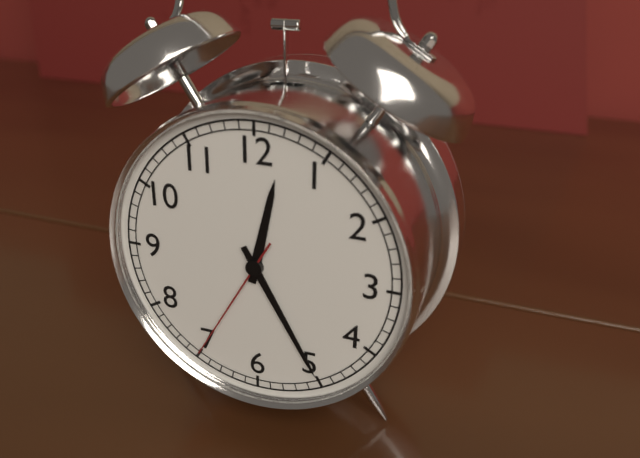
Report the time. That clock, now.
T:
12:25:35
